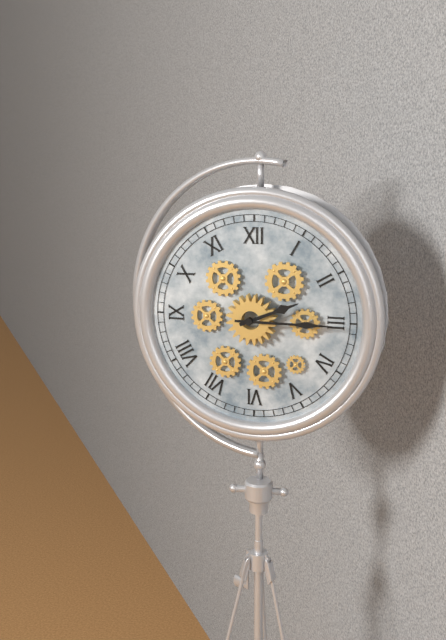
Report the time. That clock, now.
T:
2:15
